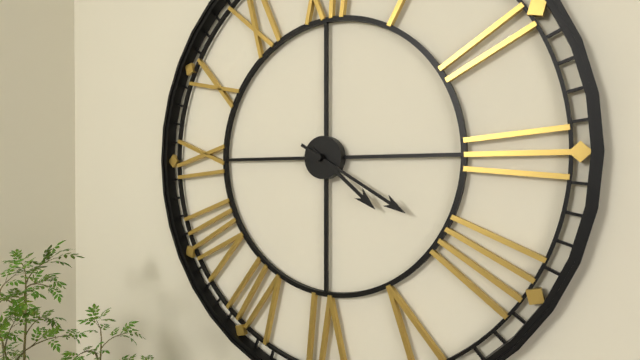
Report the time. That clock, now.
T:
4:20
